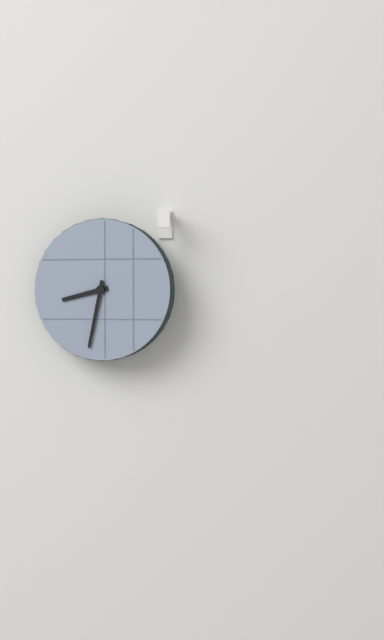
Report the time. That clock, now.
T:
8:32
